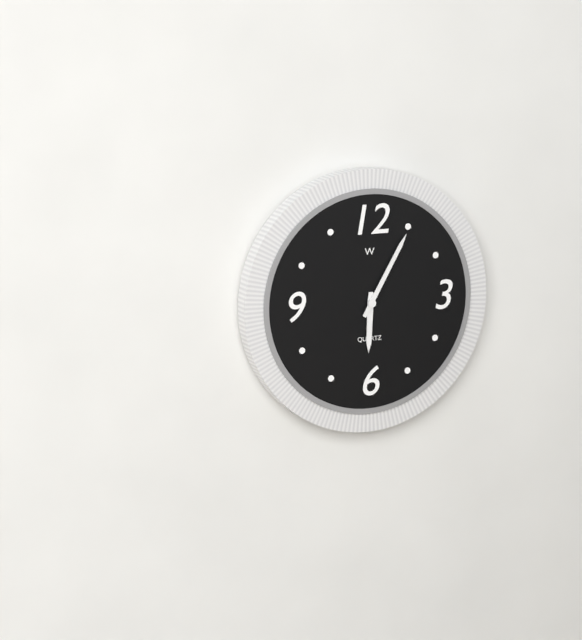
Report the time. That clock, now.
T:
6:05
